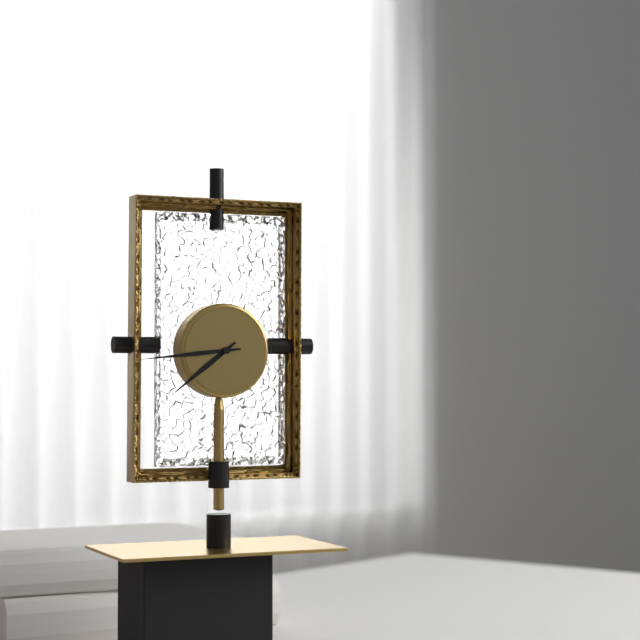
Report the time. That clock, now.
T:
7:44
